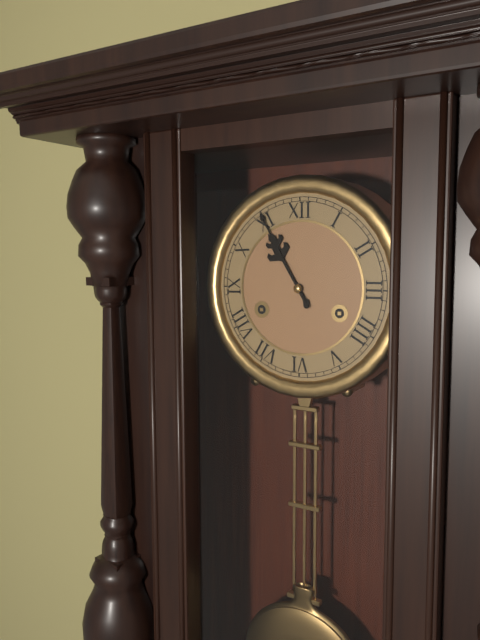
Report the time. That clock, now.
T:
10:55
